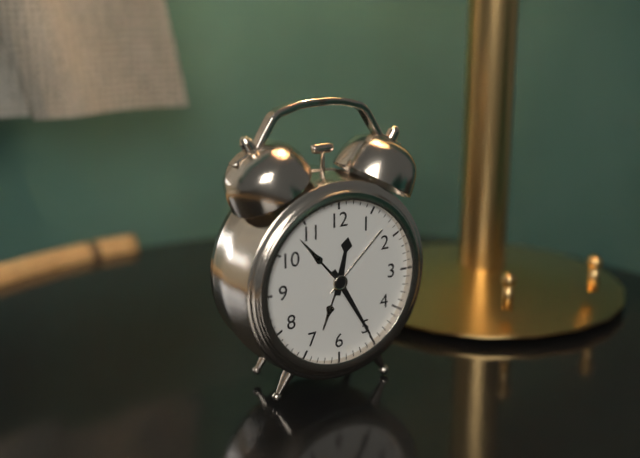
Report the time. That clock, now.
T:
12:25
